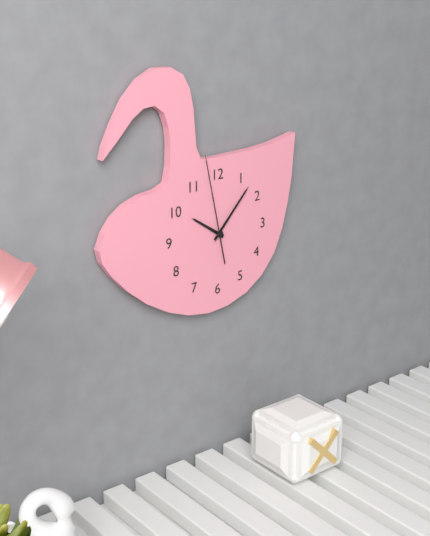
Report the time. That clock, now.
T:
10:07:58
